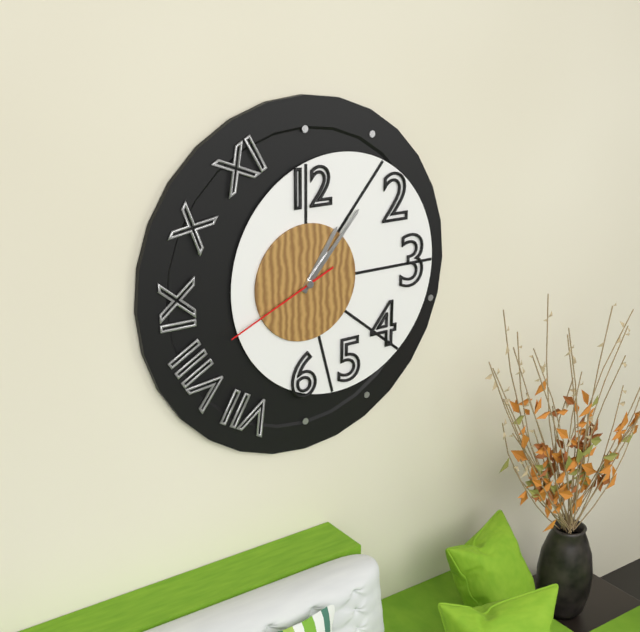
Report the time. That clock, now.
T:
1:07:41
